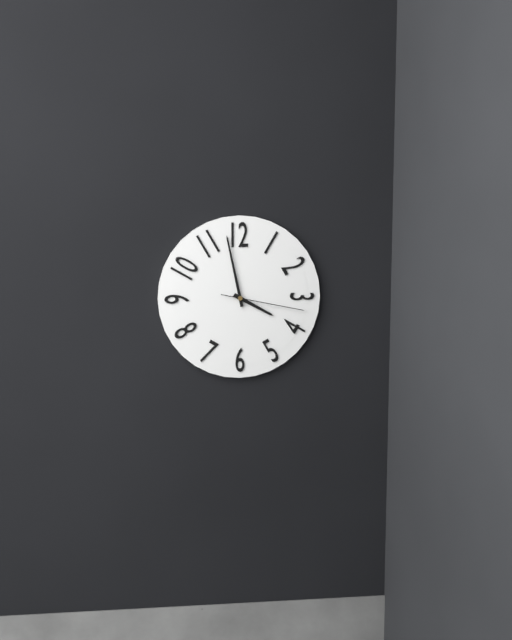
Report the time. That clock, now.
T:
3:58:17
